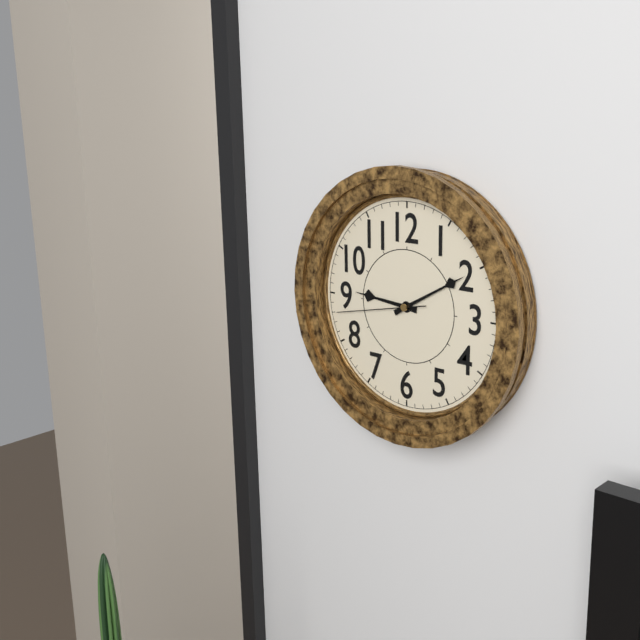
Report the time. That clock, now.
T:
9:10:43
